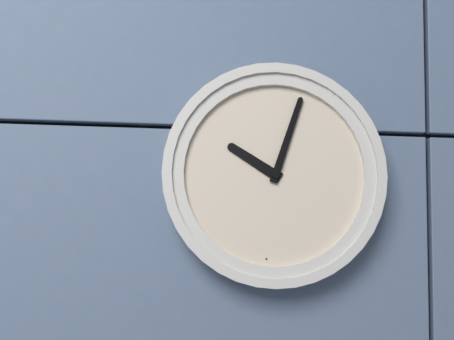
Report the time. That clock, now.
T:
10:03
